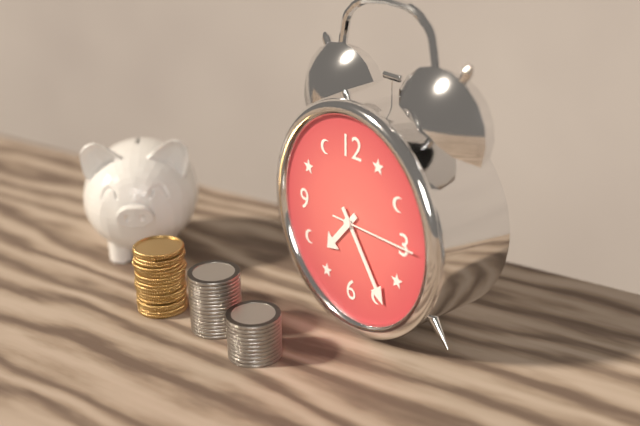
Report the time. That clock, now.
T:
7:24:15
